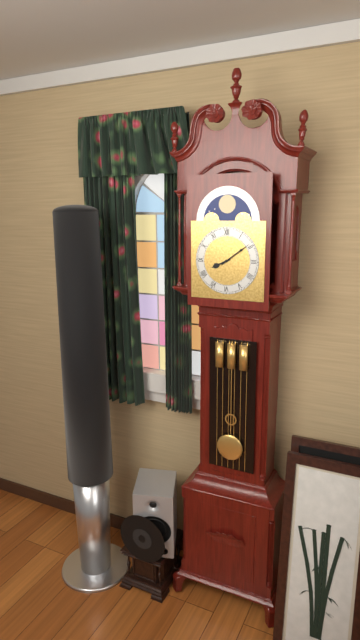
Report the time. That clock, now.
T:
8:09
